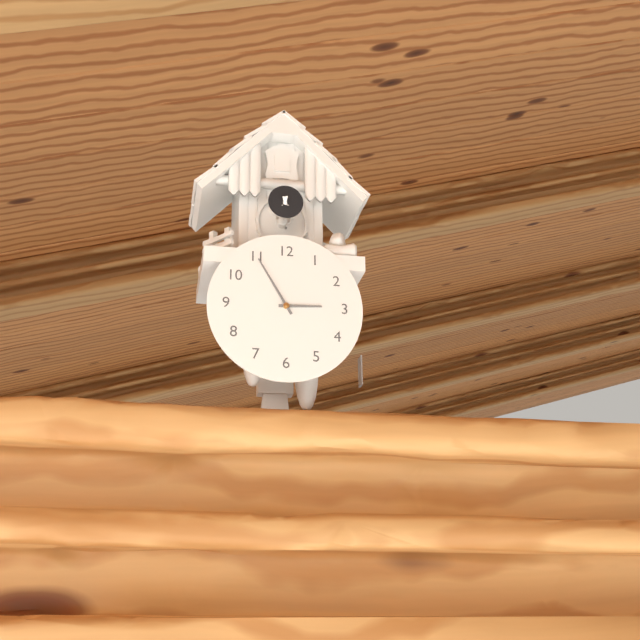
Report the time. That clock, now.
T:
2:55
